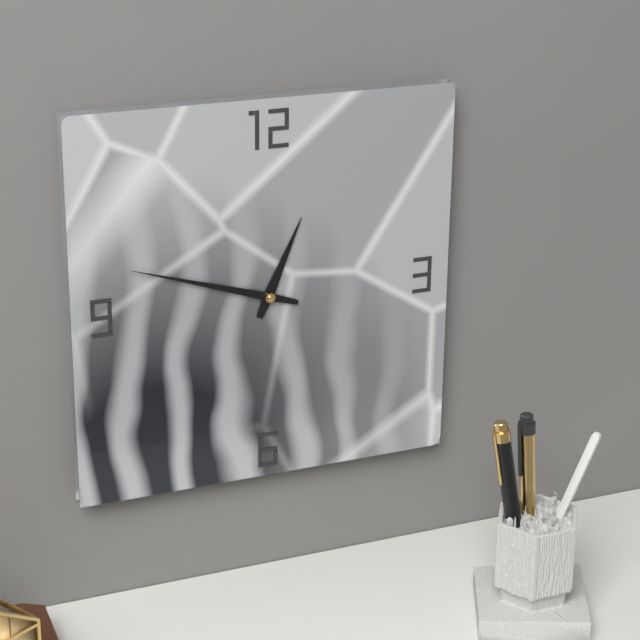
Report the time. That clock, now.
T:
12:48
